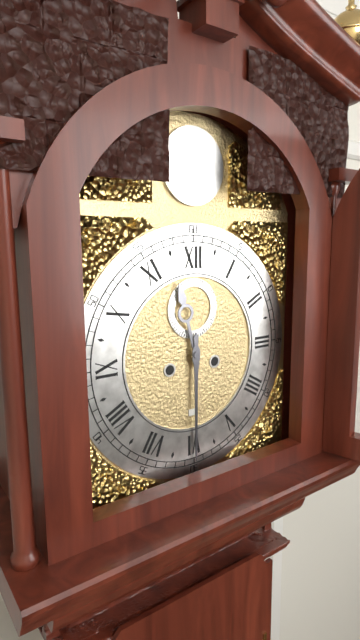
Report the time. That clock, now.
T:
11:30
